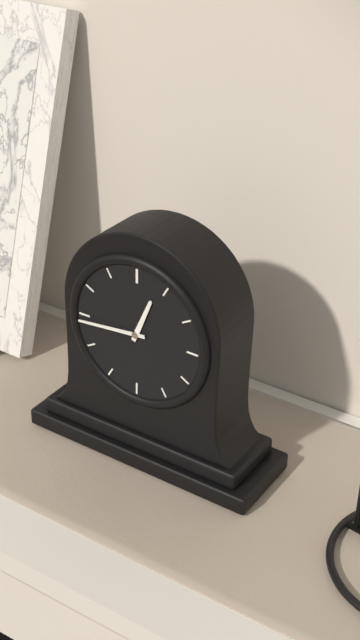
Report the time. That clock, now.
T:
12:44
